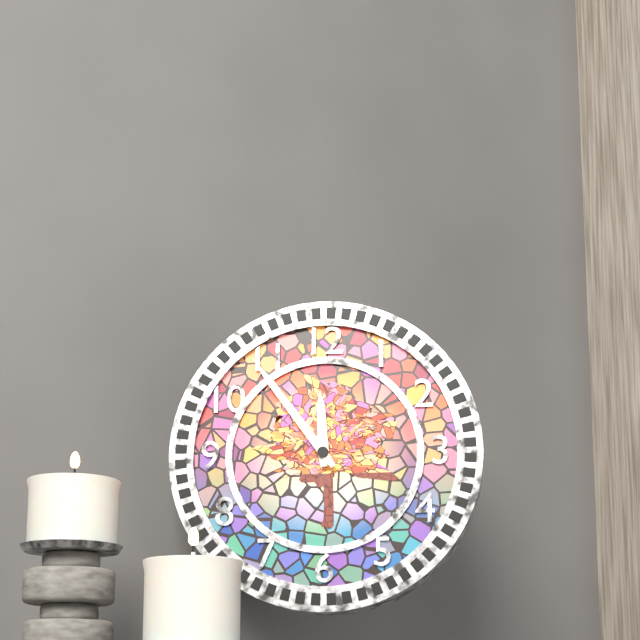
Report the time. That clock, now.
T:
11:54
